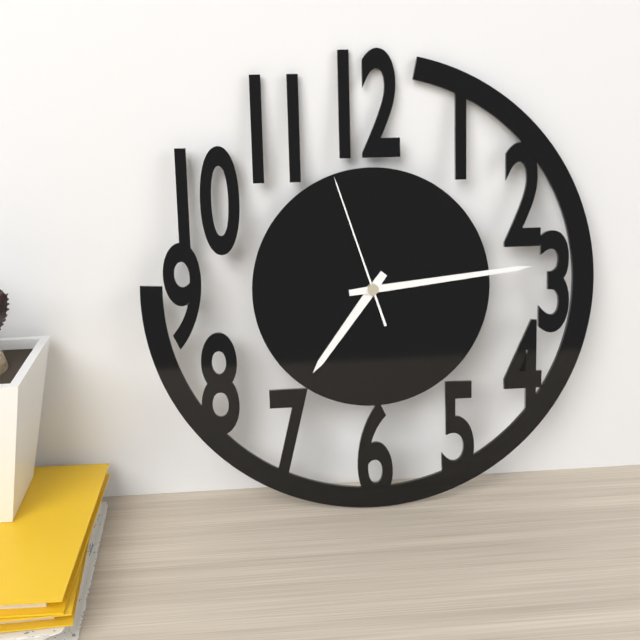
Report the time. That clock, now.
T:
7:14:57
